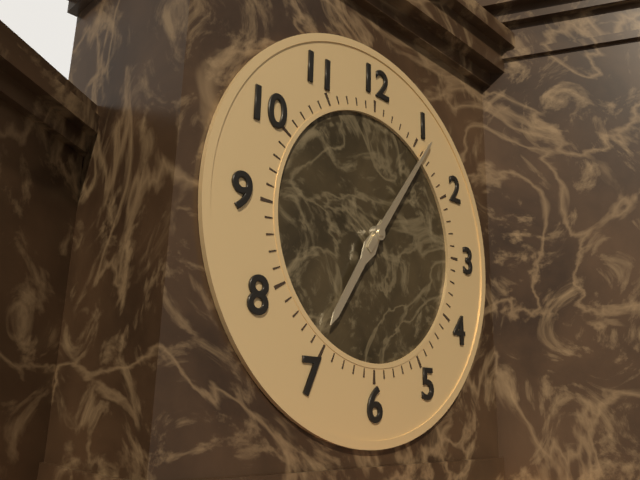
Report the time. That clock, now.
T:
7:06
